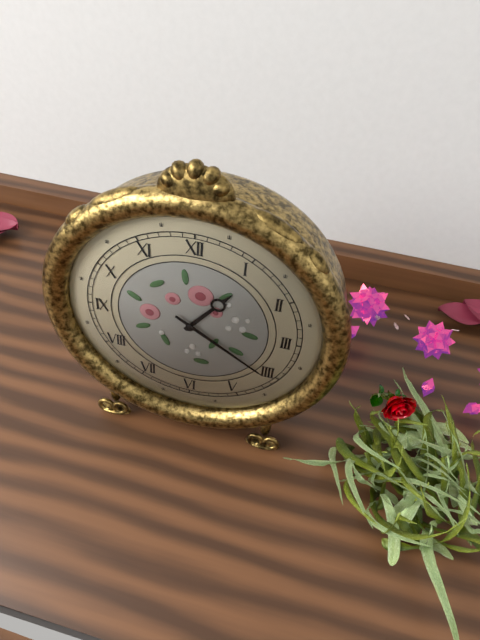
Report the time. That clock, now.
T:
1:20
